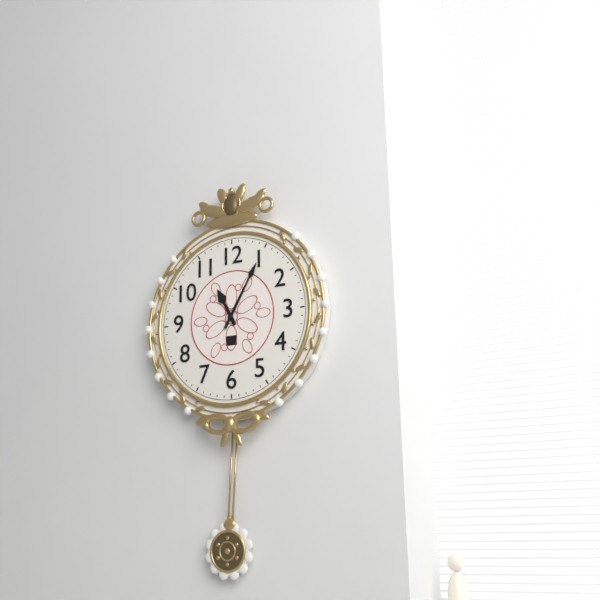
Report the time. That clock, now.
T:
11:05
